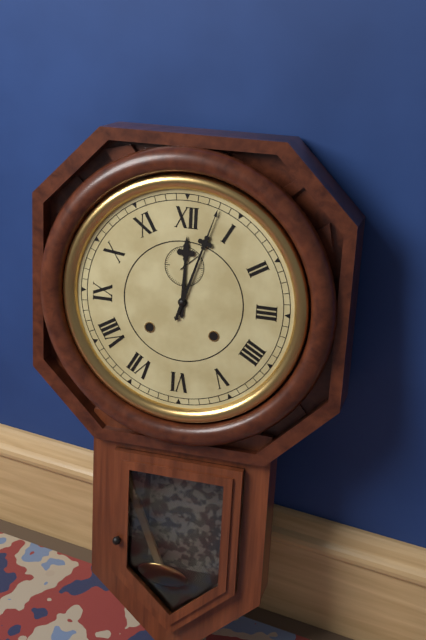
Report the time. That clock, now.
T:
12:03
